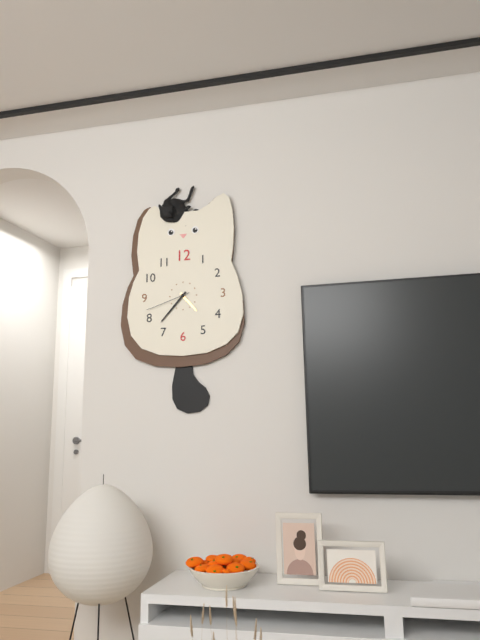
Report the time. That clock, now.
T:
4:37:42
